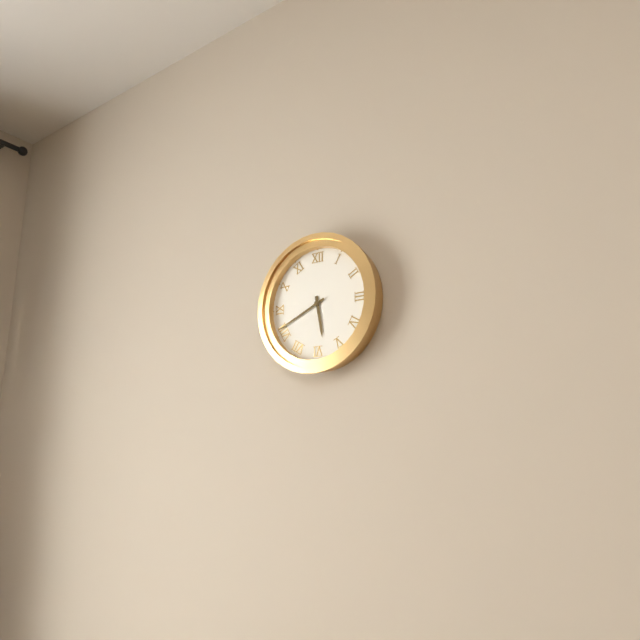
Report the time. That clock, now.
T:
5:41
